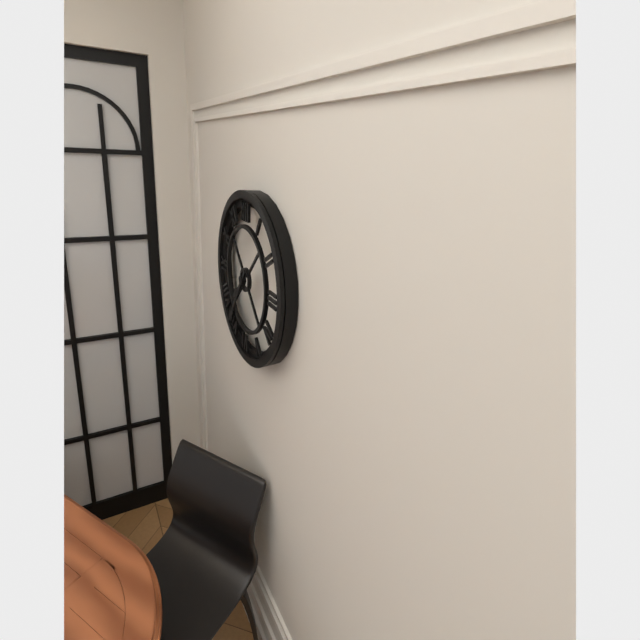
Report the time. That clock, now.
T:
7:36
